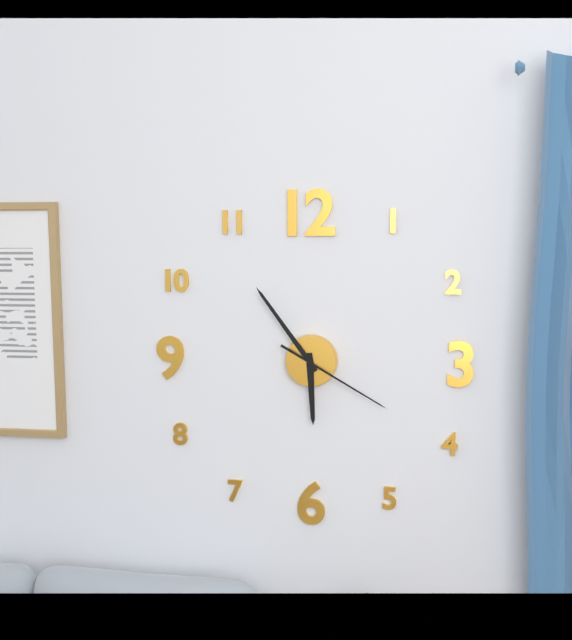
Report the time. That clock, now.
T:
5:54:20
